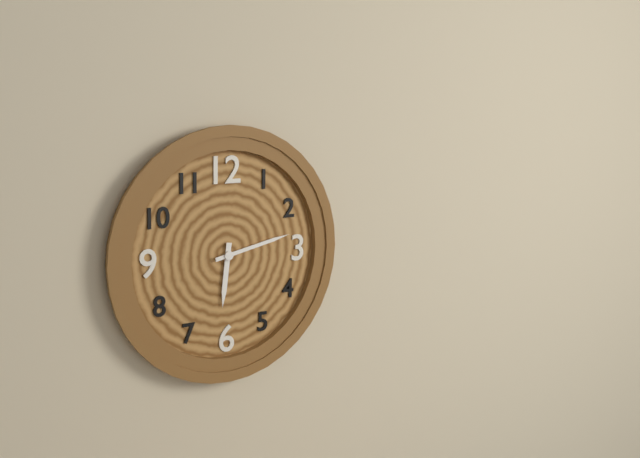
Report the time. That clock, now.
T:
6:13
